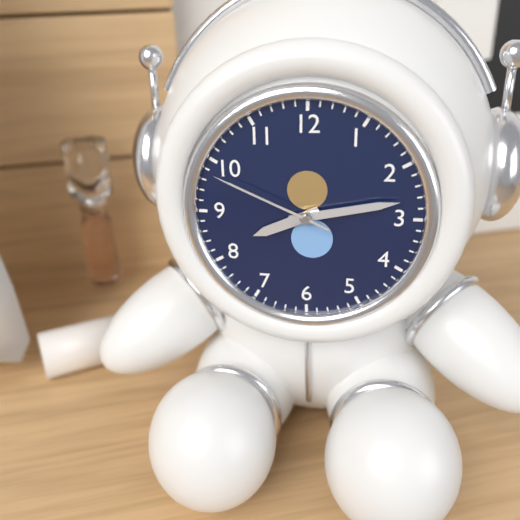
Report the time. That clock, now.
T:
8:13:49
